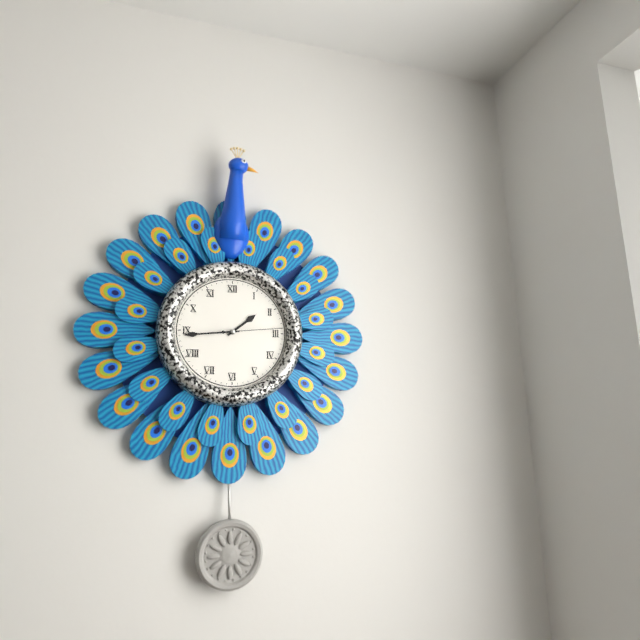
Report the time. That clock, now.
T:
1:44:14
